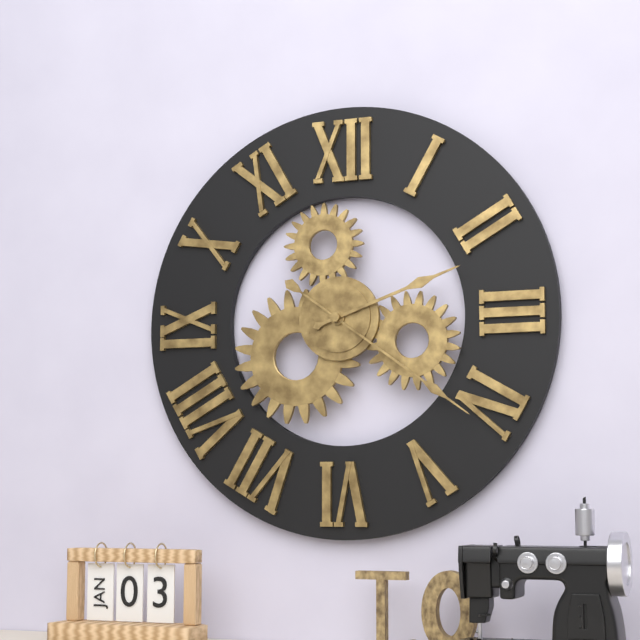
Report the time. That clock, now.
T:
2:21
